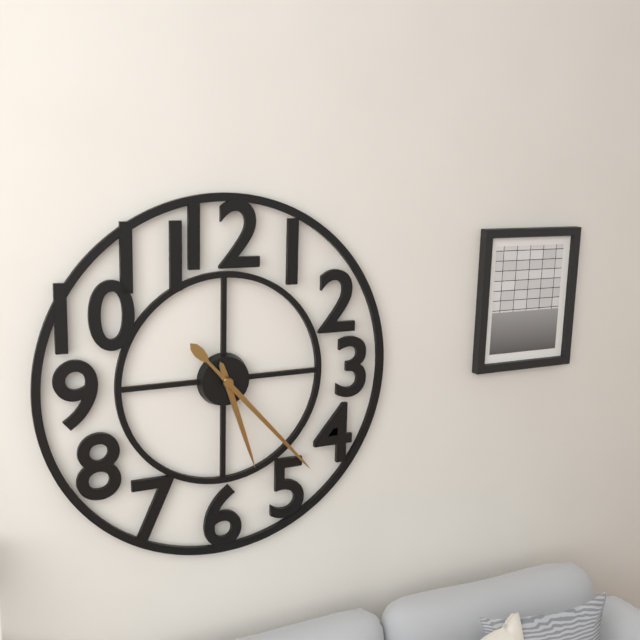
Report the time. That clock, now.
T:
5:23
